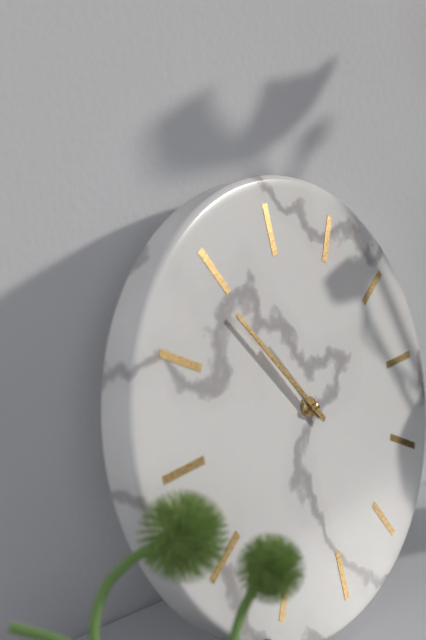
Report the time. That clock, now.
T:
10:54
